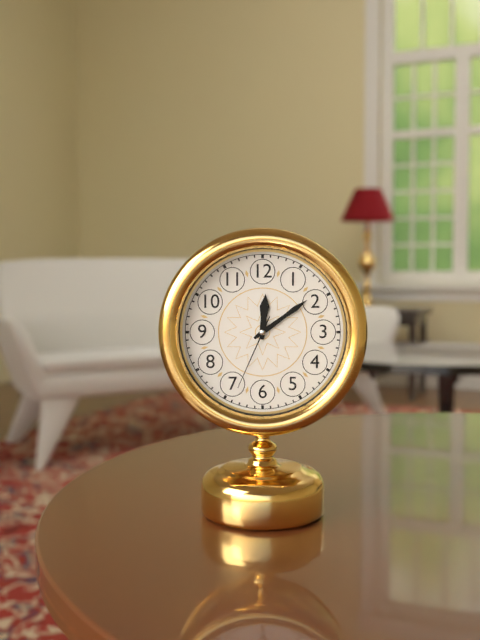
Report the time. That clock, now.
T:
12:09:34
